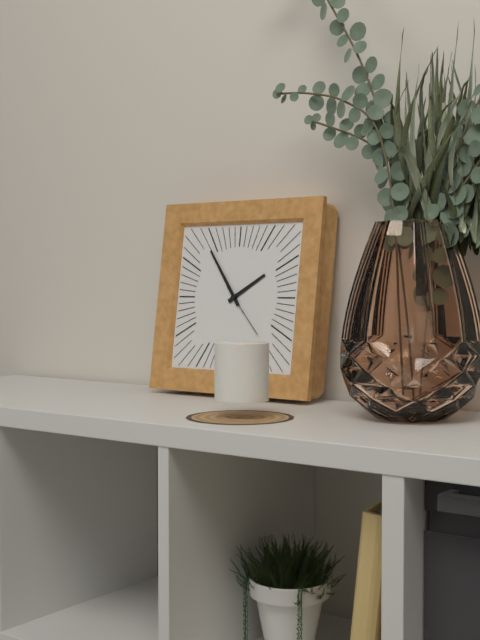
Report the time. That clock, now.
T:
1:54:23
